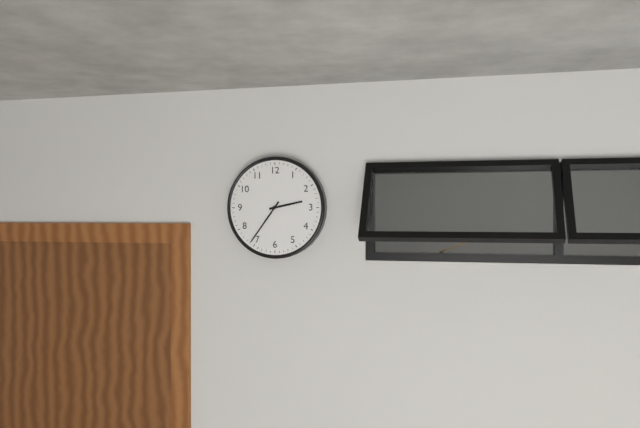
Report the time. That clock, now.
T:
2:36
